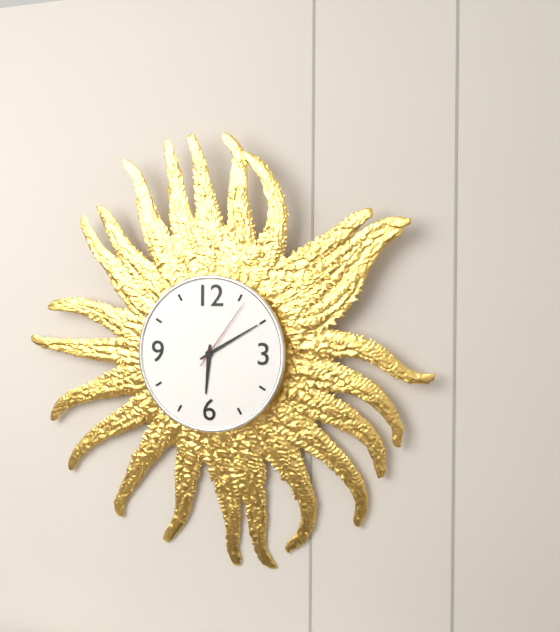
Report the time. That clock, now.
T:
6:10:06
